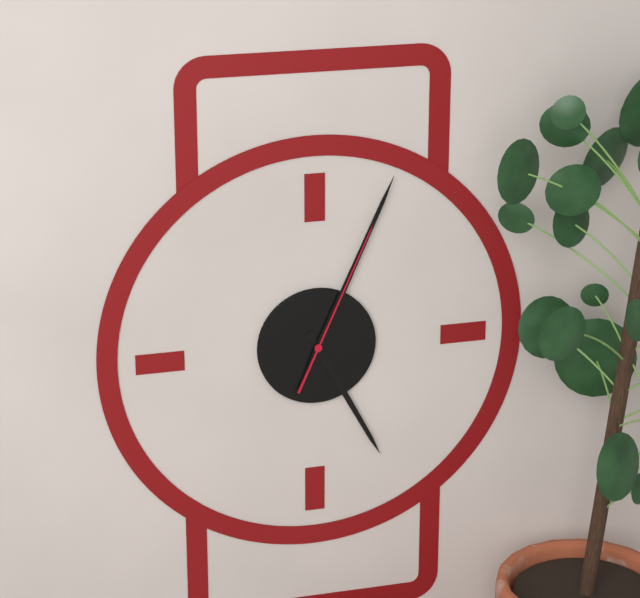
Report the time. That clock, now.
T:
5:04:04
